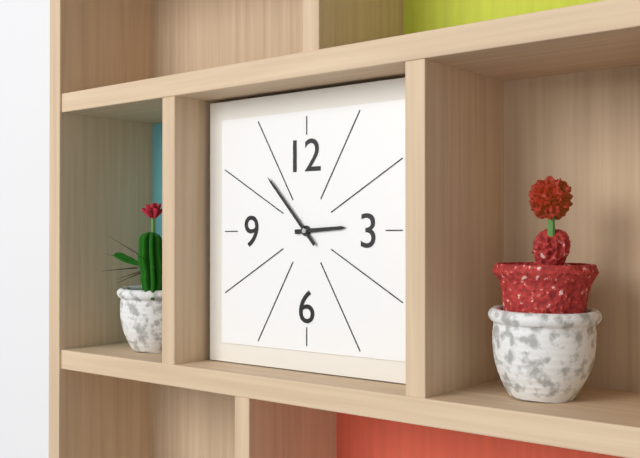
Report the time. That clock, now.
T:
2:53
